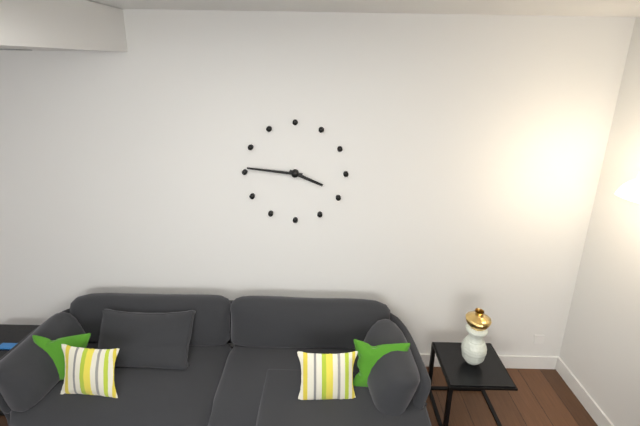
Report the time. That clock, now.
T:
3:46
